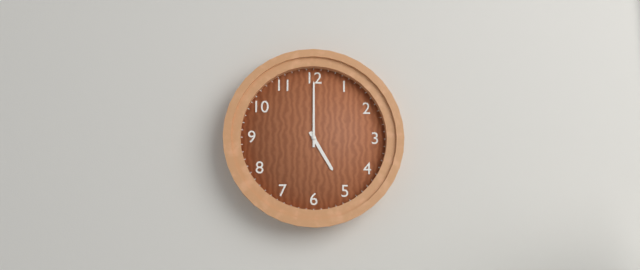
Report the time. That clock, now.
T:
5:00
